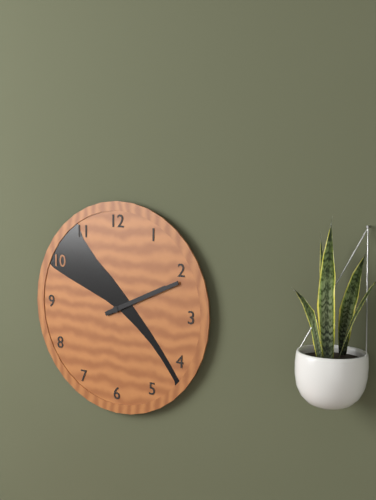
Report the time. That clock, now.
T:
2:11
